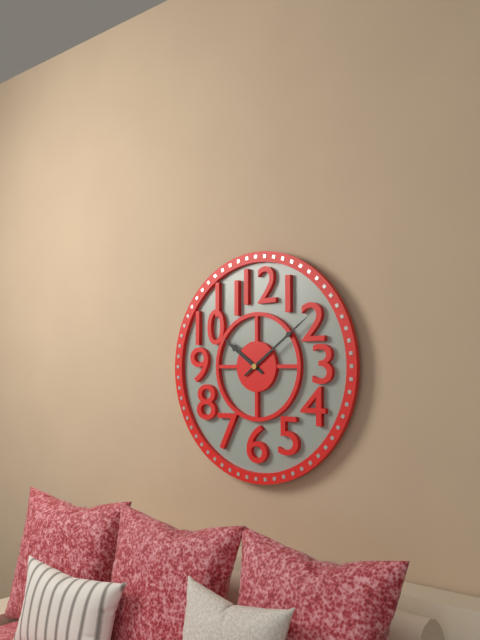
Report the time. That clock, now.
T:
10:09
